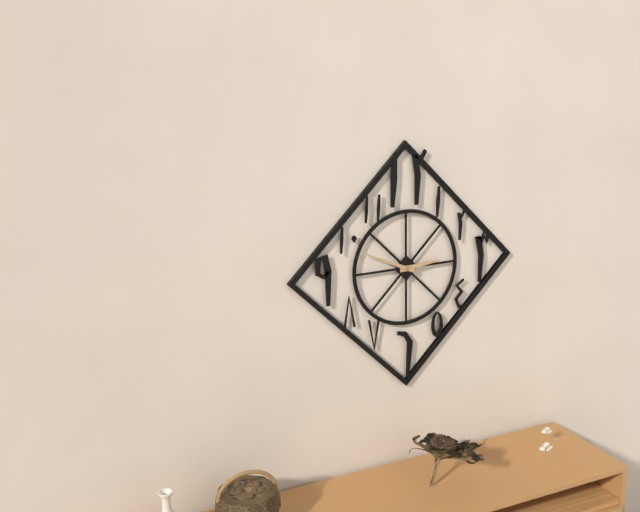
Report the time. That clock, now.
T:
2:49
